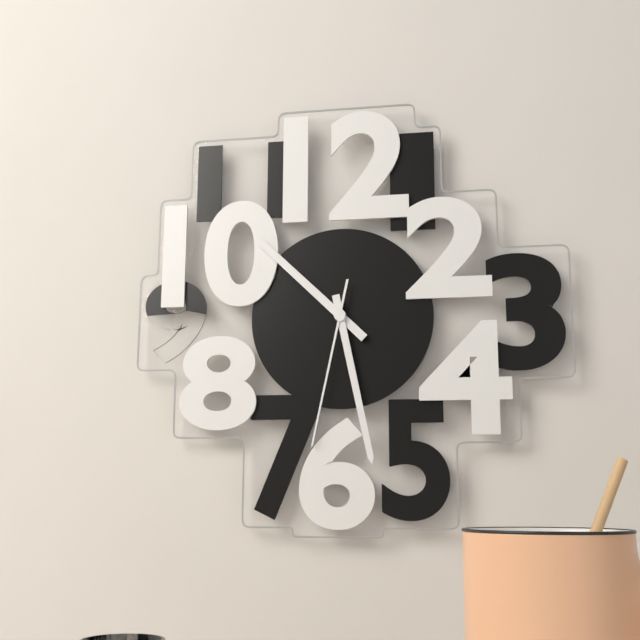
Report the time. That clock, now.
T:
10:28:32
